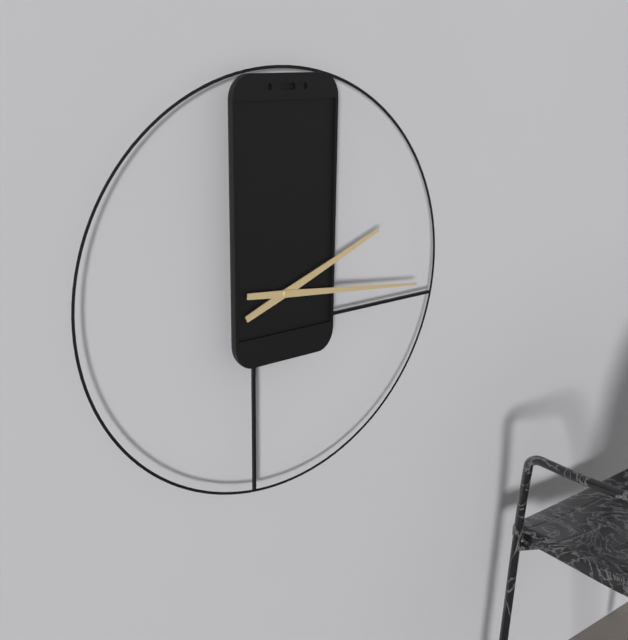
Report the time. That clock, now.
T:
2:16
